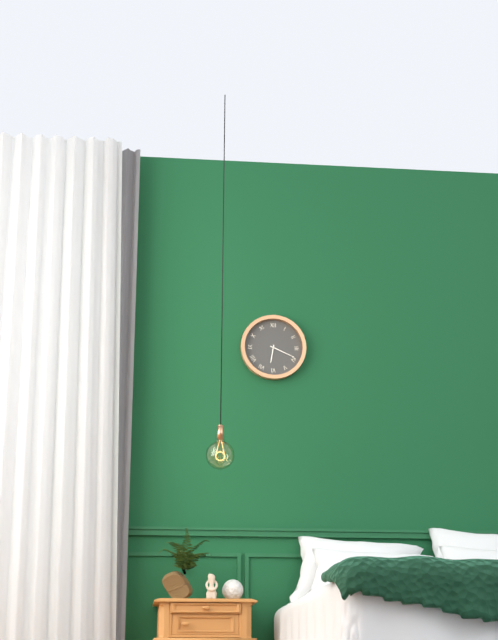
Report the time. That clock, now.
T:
6:19
